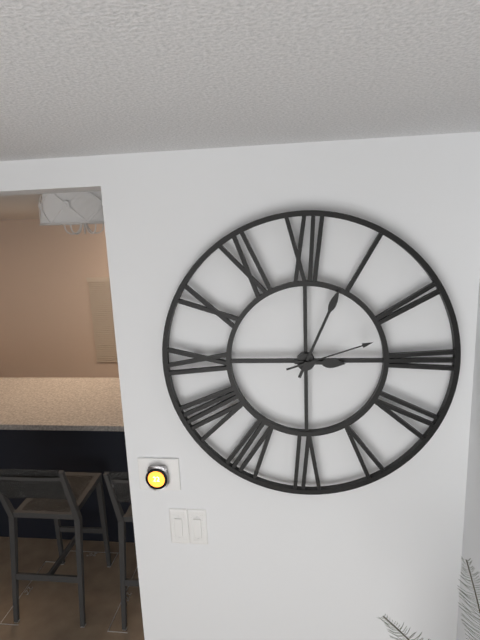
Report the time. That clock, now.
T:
3:04:12
